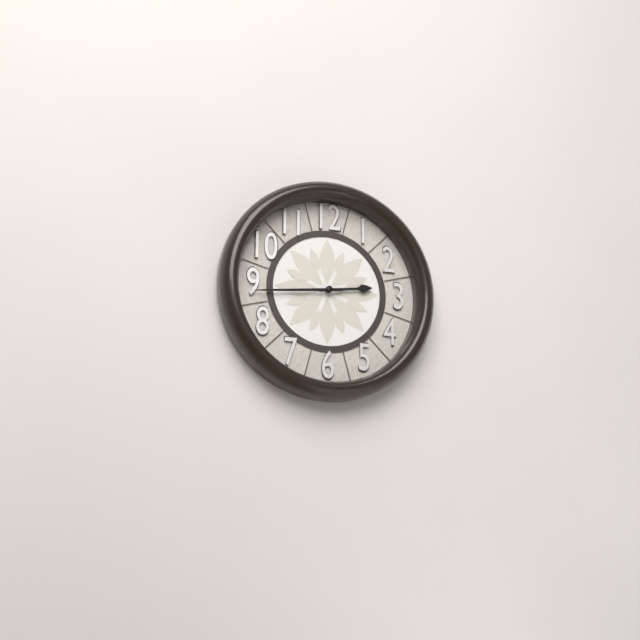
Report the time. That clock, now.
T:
2:44
